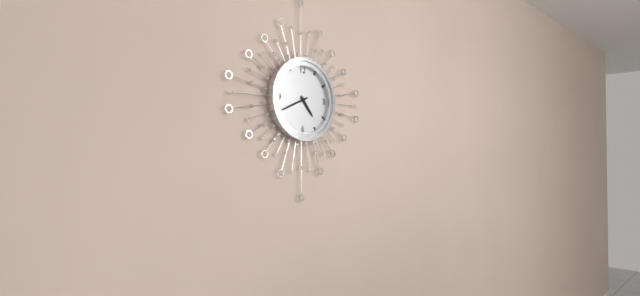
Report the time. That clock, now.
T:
4:41
